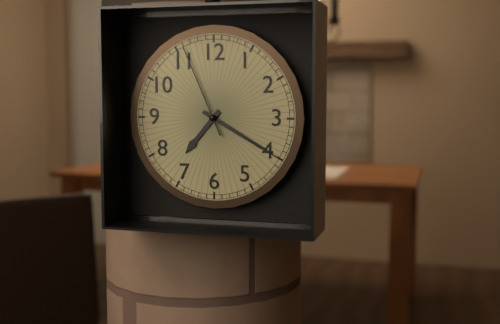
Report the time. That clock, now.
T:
7:20:56
